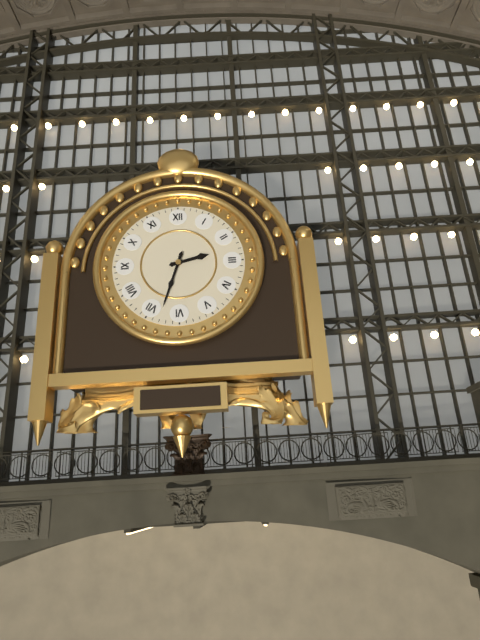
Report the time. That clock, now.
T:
2:33
